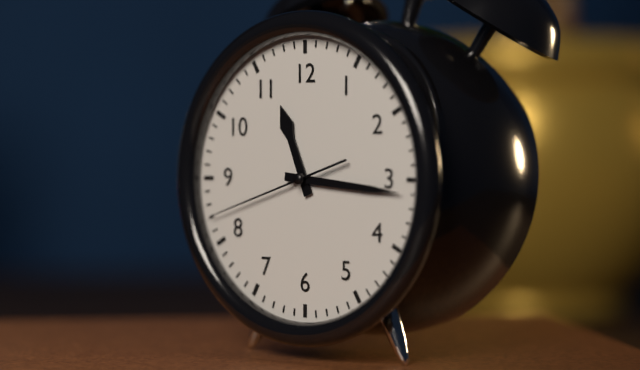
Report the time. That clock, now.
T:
11:16:42
